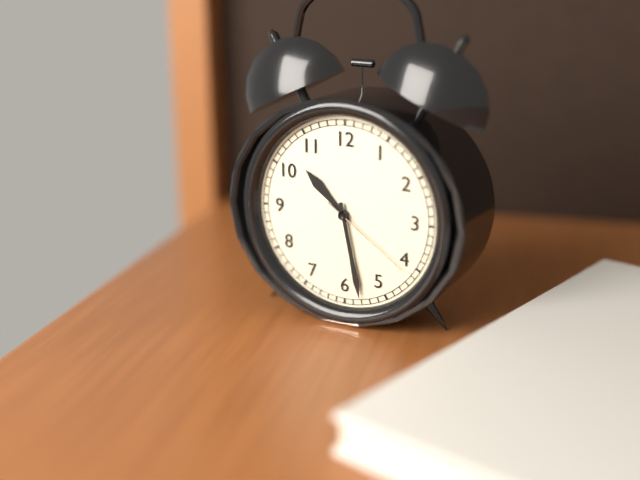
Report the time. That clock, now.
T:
10:28:21
